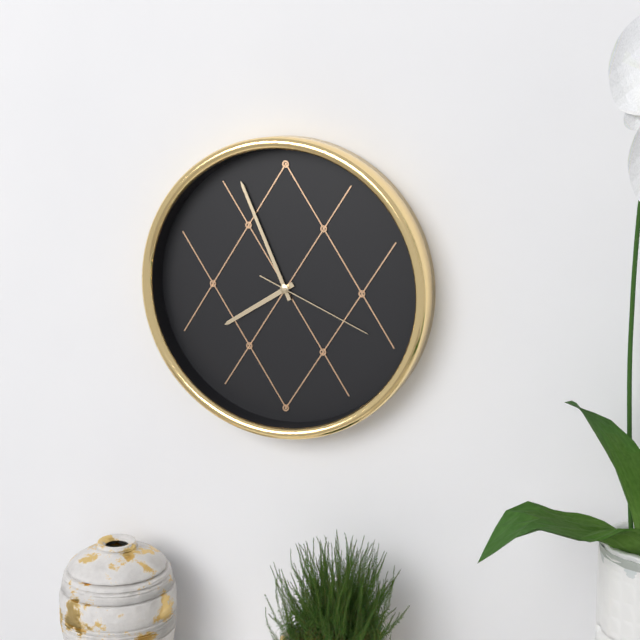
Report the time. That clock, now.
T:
7:56:19
